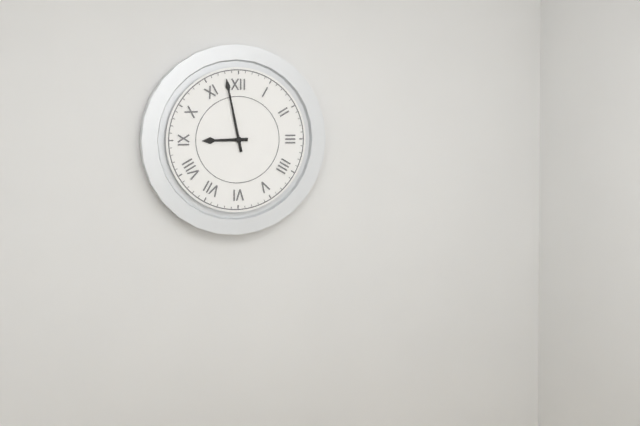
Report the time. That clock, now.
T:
8:58
